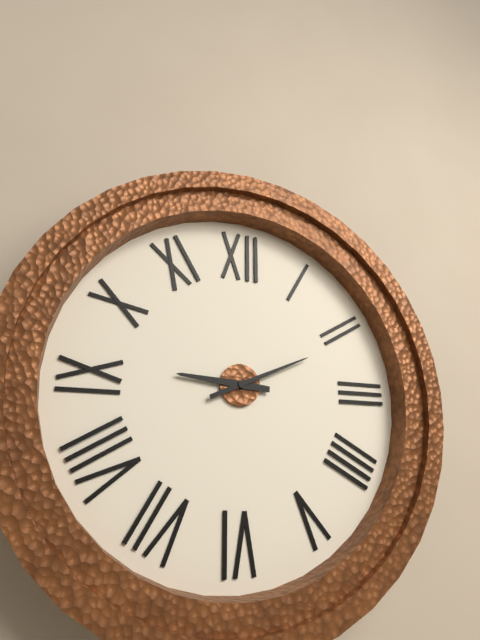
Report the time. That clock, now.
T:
9:11
